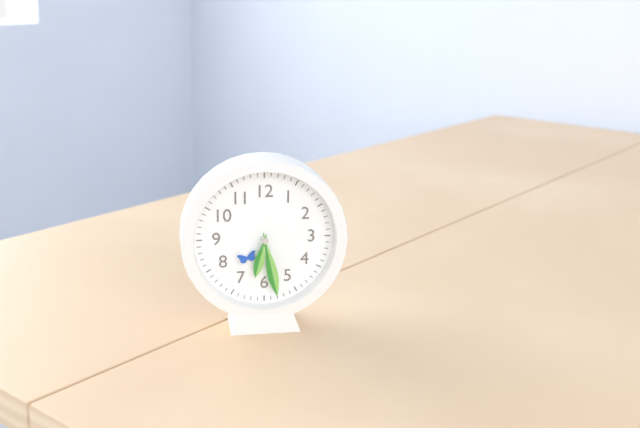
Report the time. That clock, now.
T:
6:28
